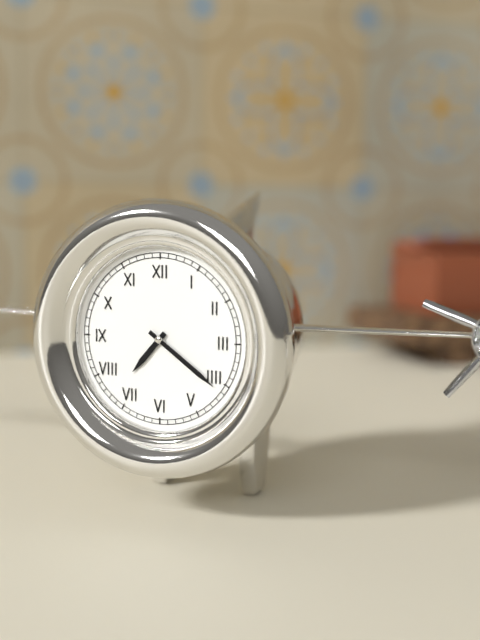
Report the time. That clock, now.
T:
7:21
